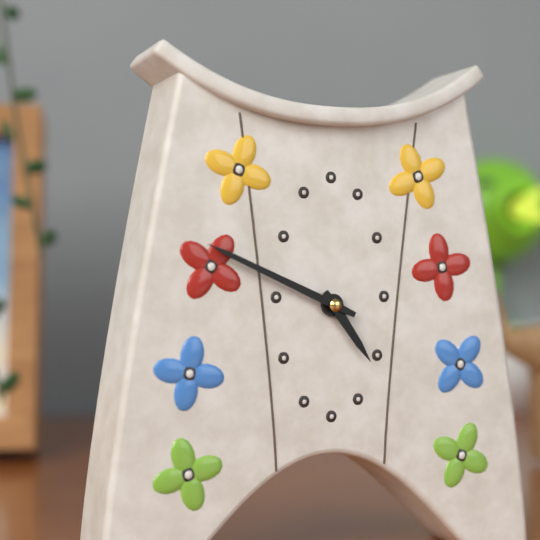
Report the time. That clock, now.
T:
4:49
